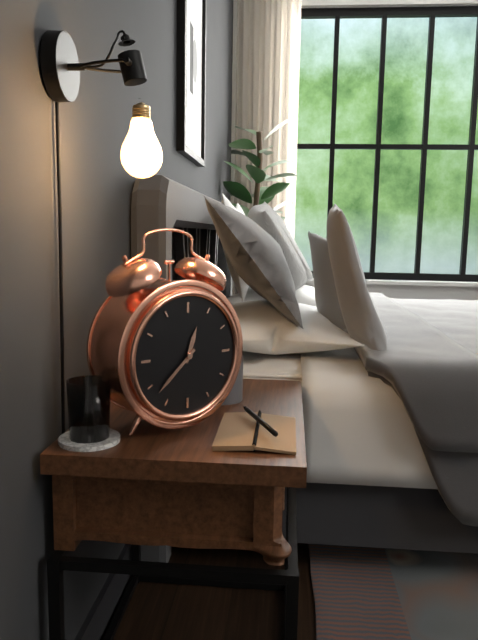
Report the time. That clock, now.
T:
12:38
